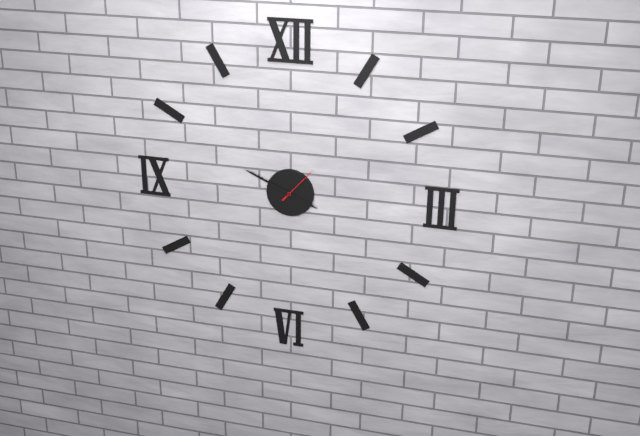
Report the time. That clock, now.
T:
3:49
